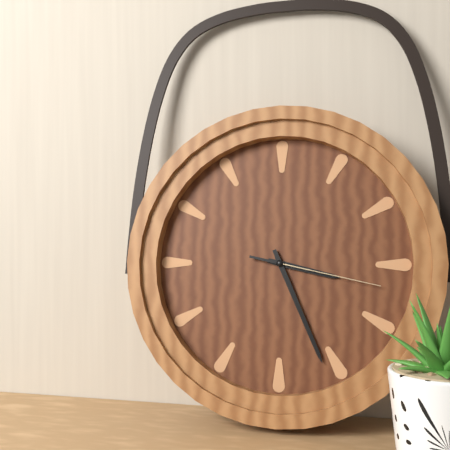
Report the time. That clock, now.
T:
3:26:17
